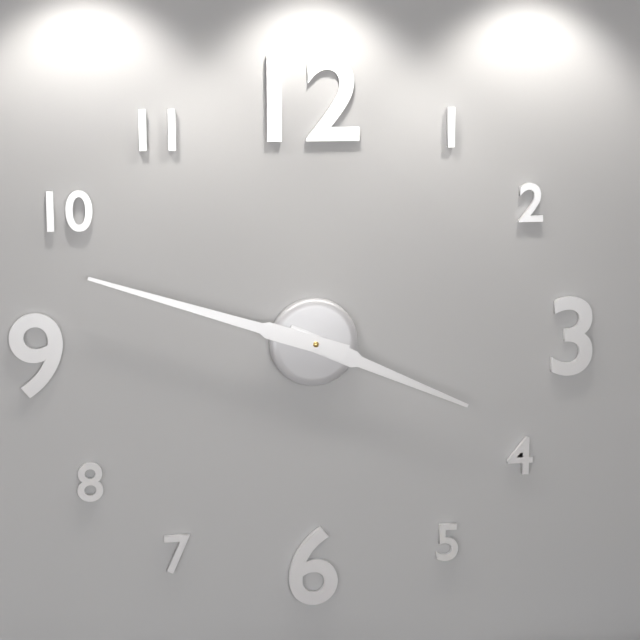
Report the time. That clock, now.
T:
3:48
